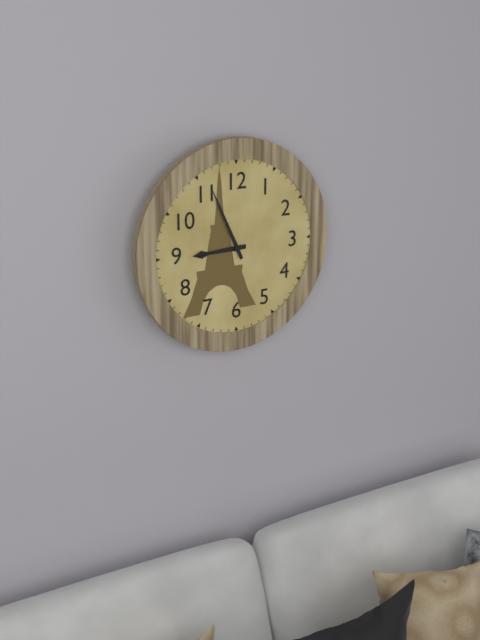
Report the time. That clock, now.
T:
8:56
